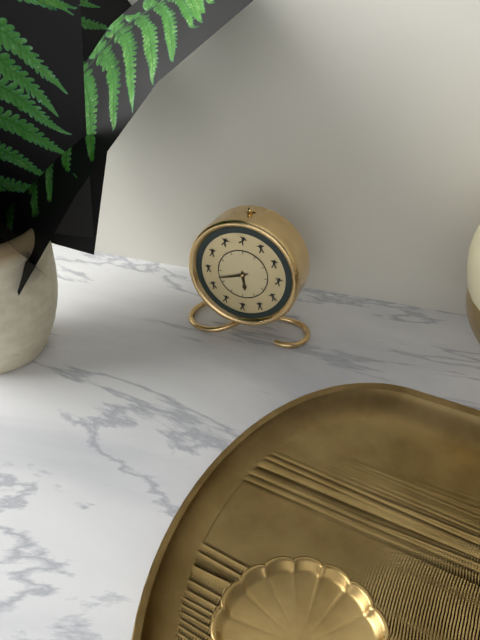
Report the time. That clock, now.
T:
5:42
